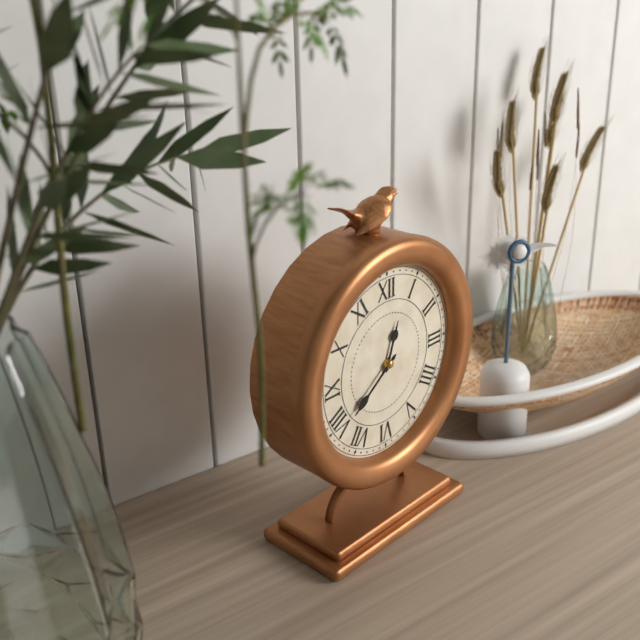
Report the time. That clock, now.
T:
12:39
